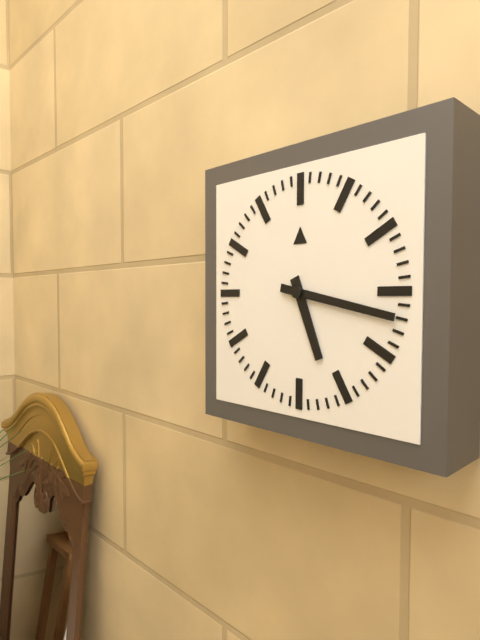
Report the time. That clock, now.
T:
5:17
